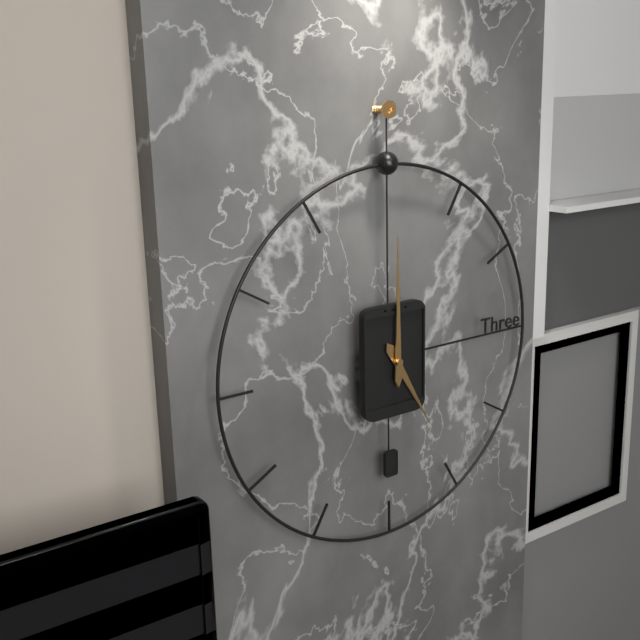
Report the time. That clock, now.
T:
5:00
